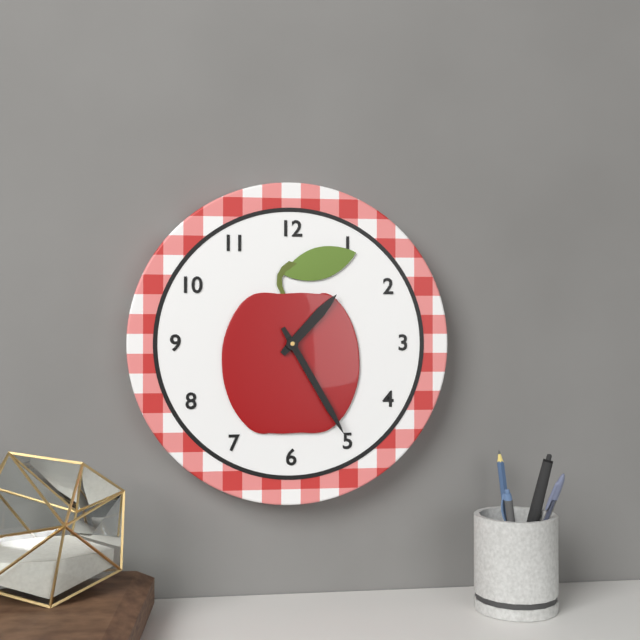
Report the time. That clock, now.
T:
1:25
